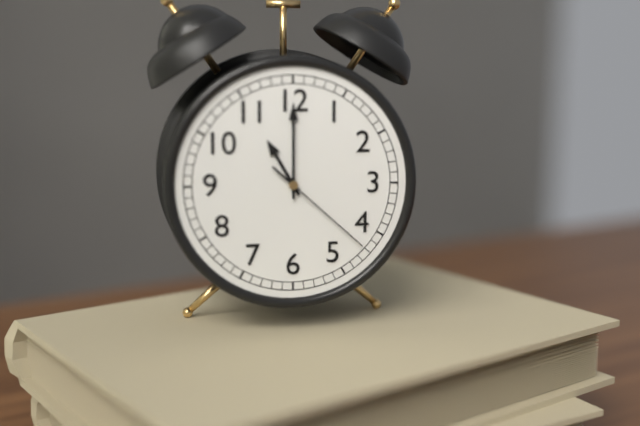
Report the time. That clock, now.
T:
11:00:22
